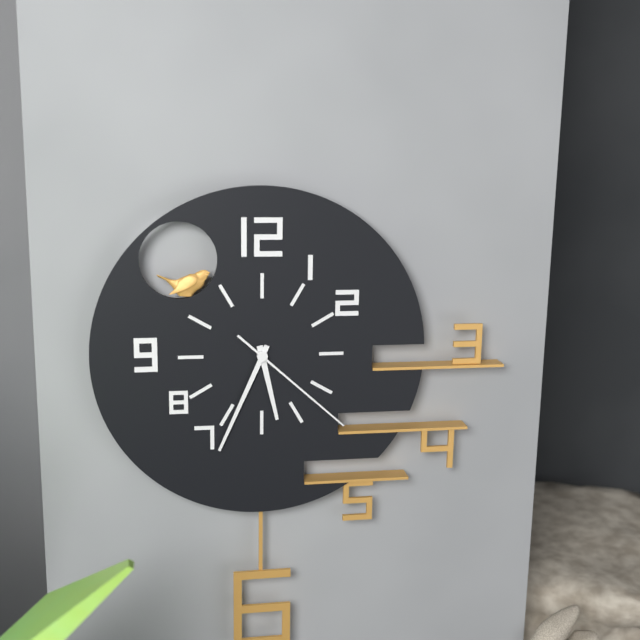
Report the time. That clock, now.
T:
5:34:22
